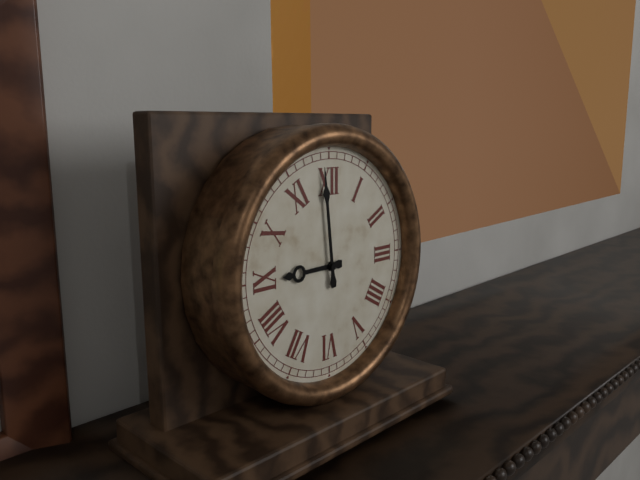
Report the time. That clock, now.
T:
8:59
